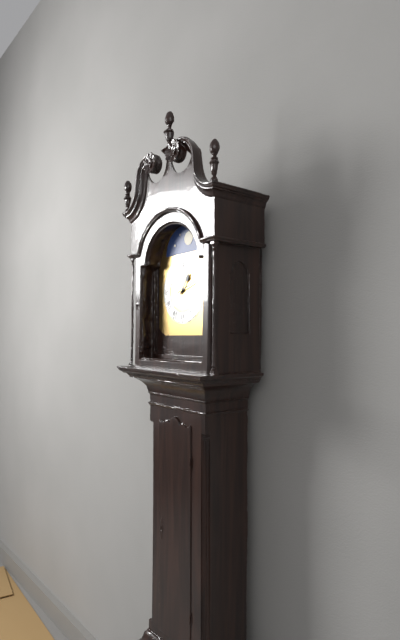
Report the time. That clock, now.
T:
1:12
